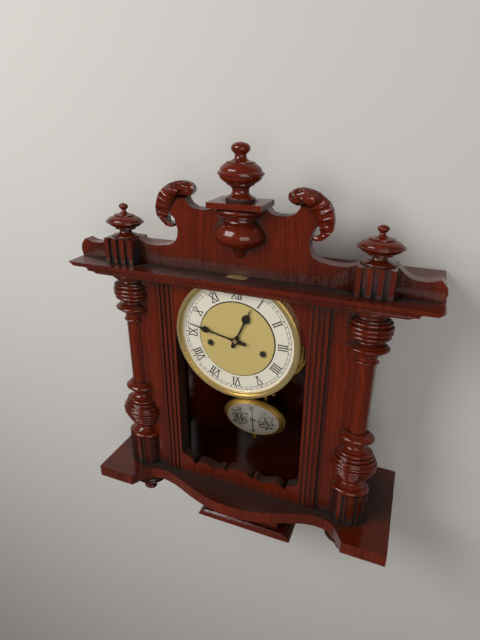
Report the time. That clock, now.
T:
12:47
